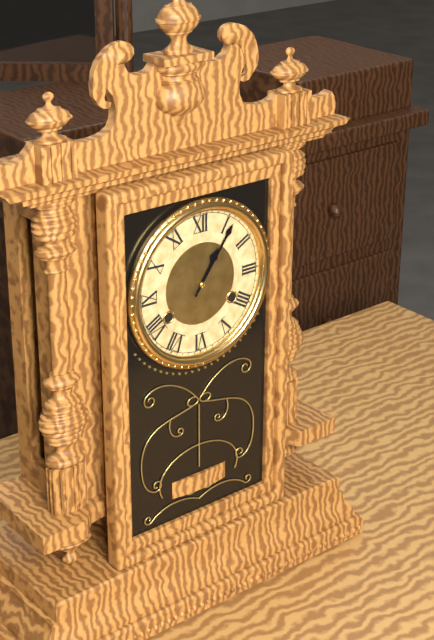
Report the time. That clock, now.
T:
1:06
